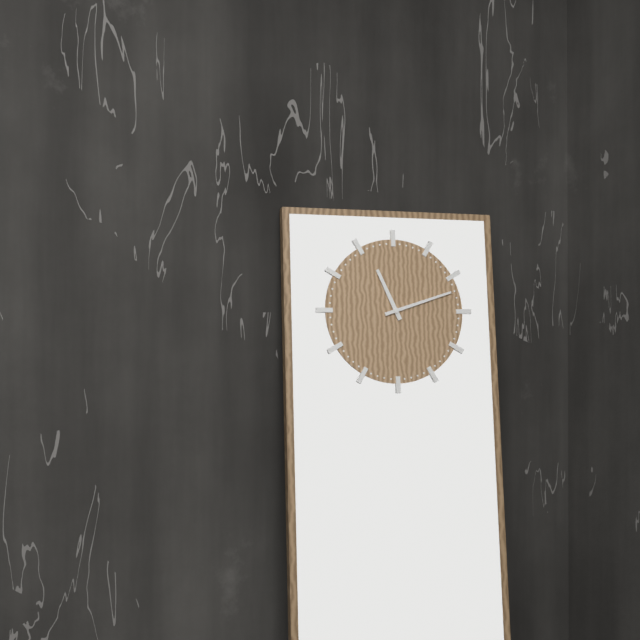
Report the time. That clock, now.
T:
11:12
